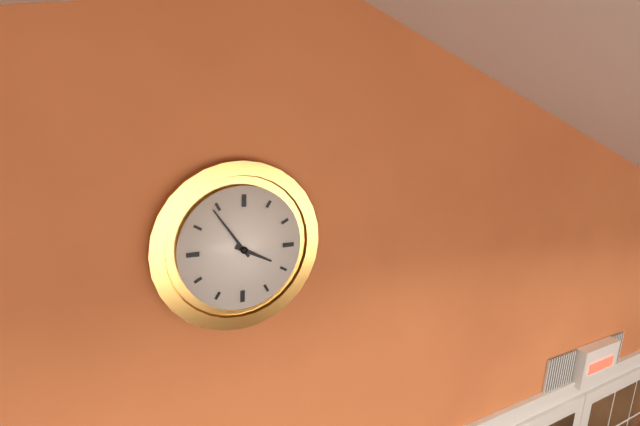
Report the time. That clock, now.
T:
3:54
